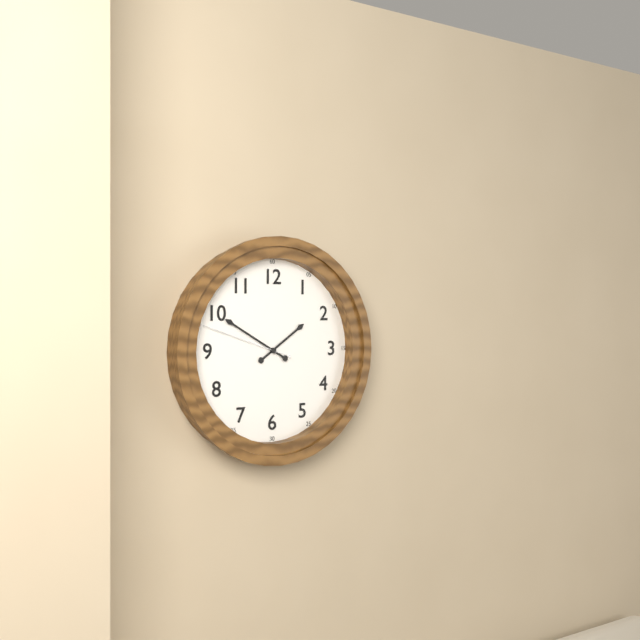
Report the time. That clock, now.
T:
1:50:48
